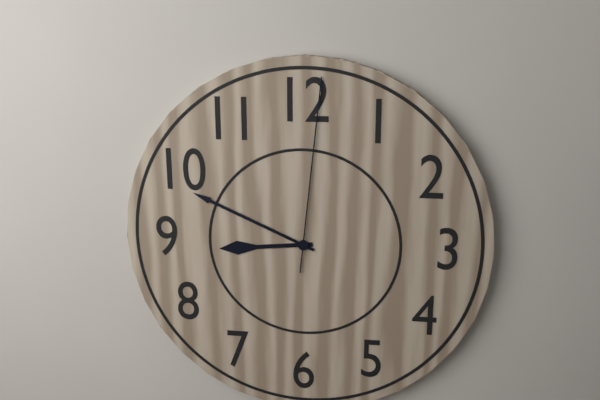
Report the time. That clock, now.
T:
8:49:01
